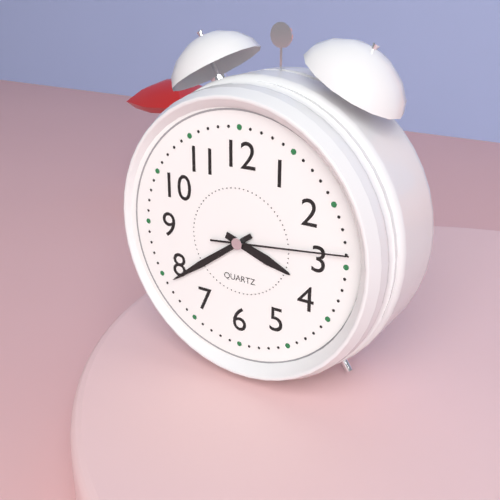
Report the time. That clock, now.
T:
3:39:14
